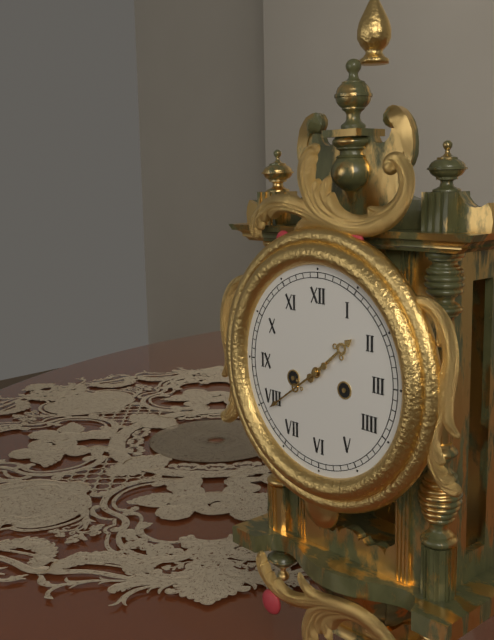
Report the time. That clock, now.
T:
1:39
